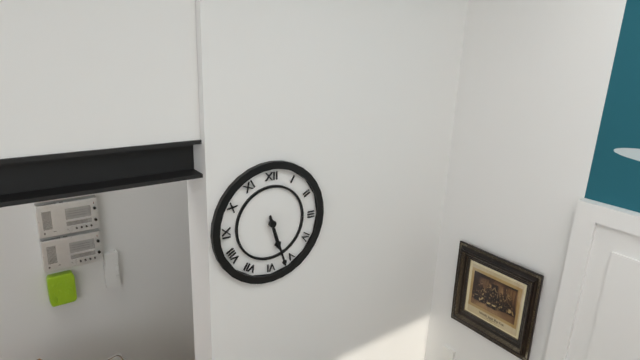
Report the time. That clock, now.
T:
5:27
